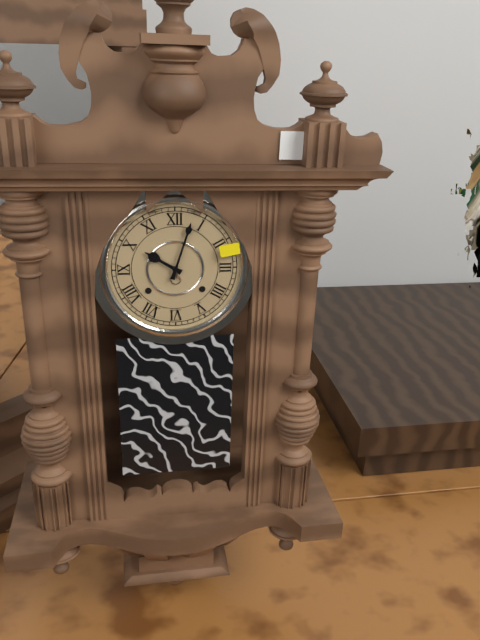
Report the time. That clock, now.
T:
10:03
